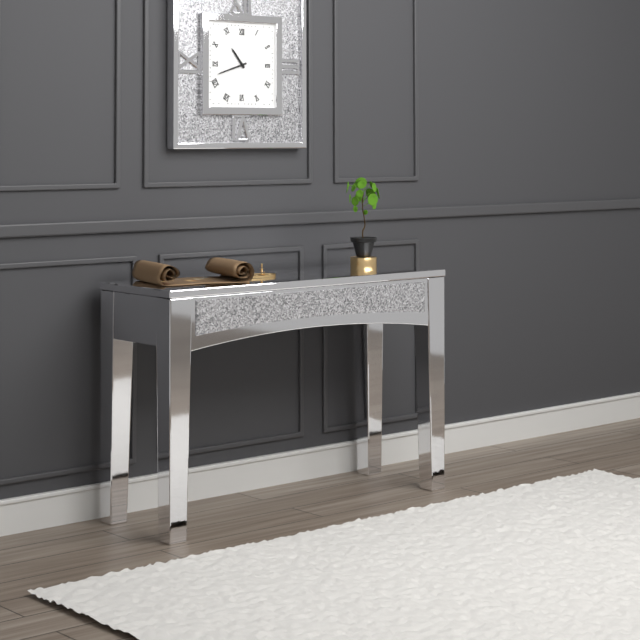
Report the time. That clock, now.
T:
10:42
